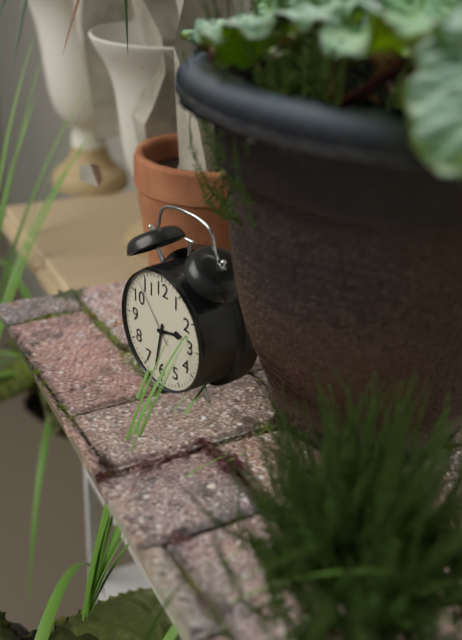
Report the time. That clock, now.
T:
2:32:53
